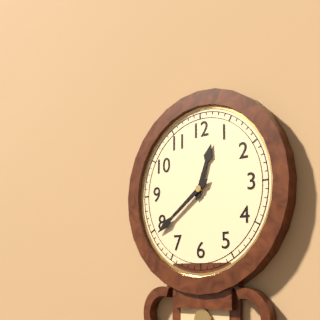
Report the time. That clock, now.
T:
12:39
